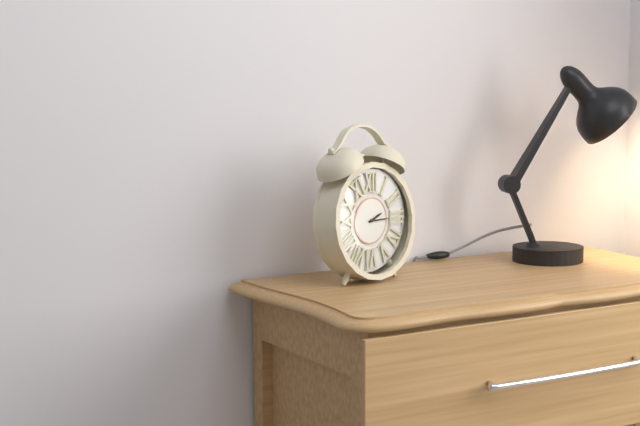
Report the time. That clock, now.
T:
2:15
